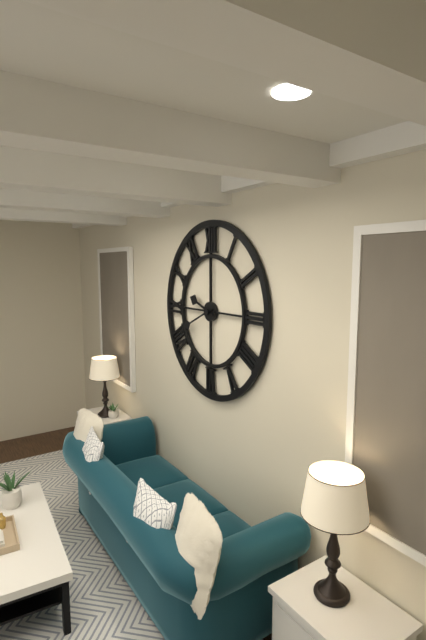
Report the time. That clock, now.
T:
9:41
